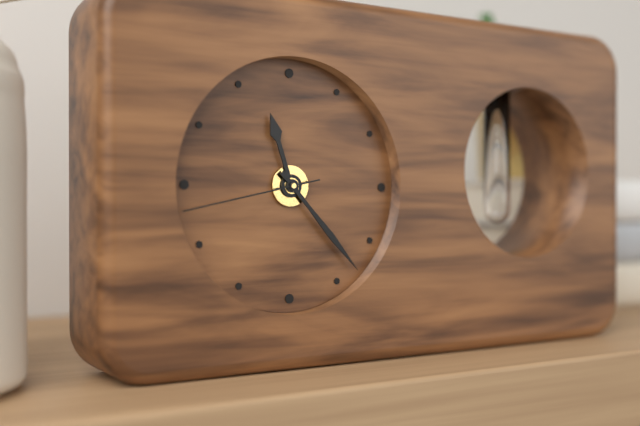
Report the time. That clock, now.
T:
11:23:43
